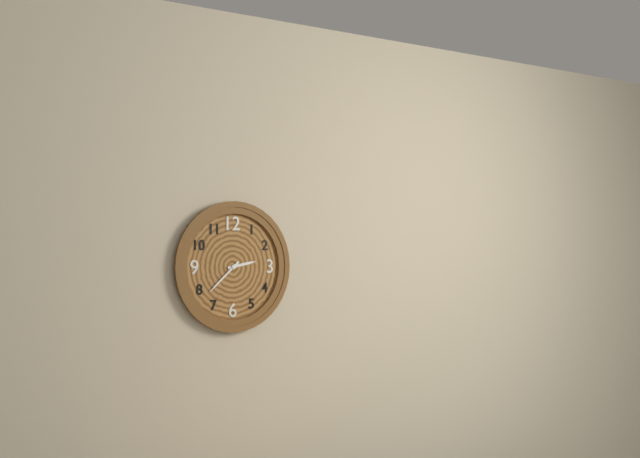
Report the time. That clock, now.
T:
2:38
